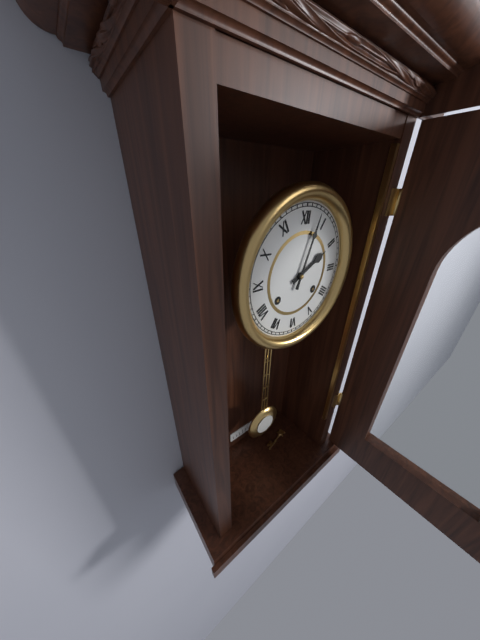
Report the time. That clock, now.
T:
2:03
